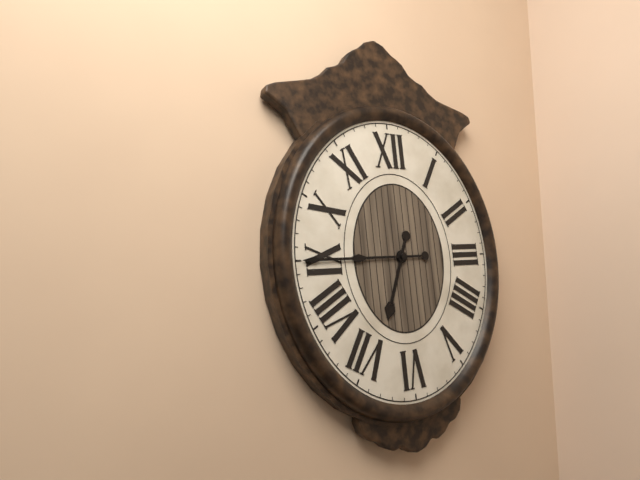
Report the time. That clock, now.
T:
6:45
